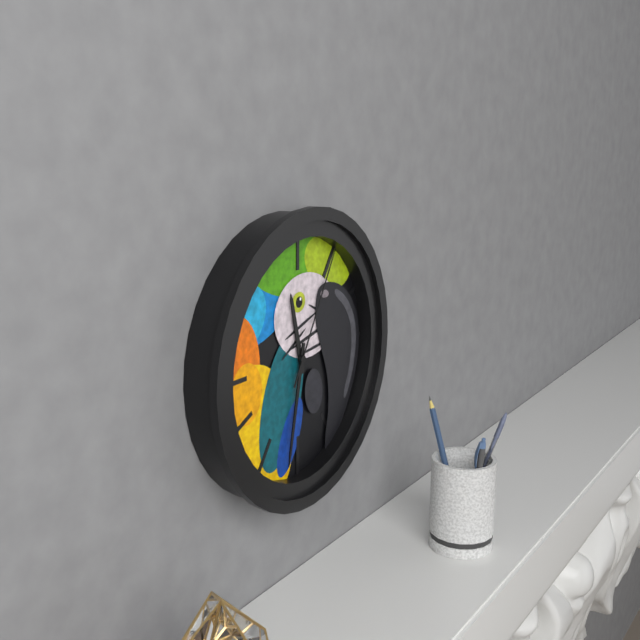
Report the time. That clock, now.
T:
11:32:05
